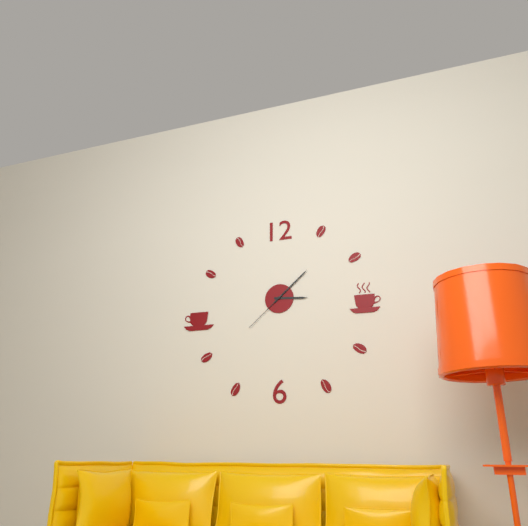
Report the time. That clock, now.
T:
3:08:38
